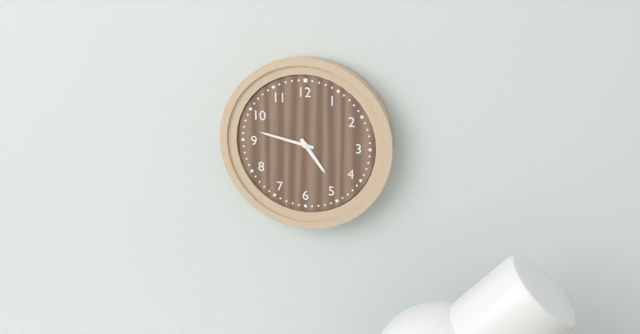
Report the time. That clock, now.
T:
4:47
